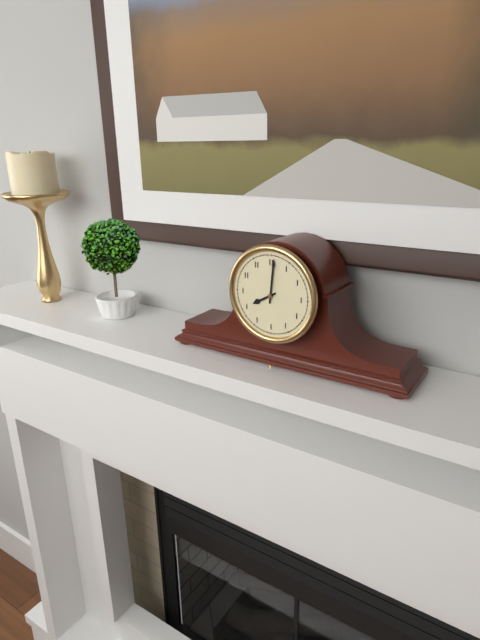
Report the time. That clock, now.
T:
8:01
